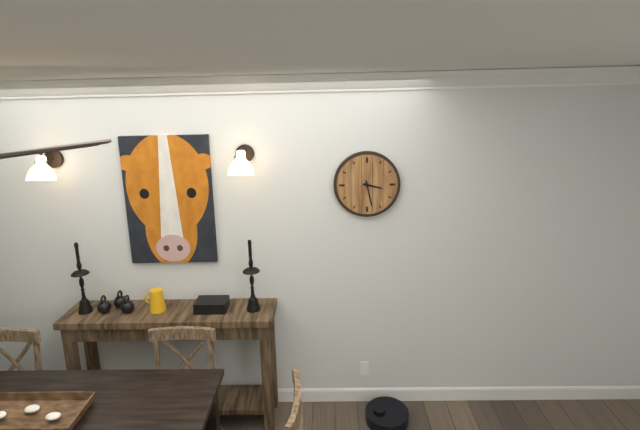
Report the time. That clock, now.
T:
3:28
